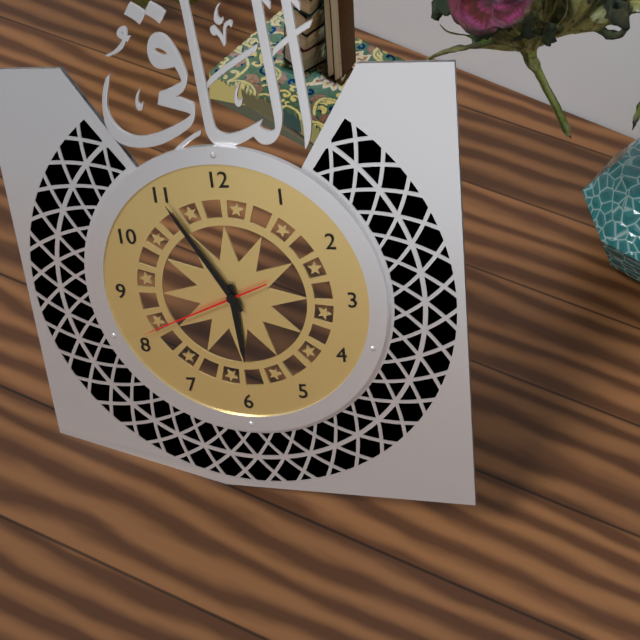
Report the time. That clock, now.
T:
5:55:41
